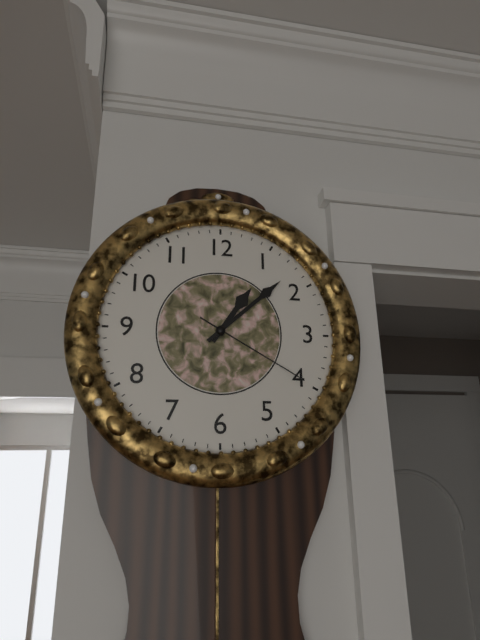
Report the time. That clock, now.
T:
1:08:20
